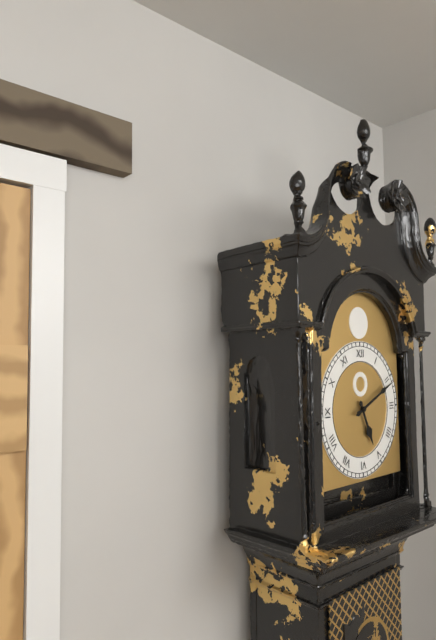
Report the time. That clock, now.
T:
5:11
